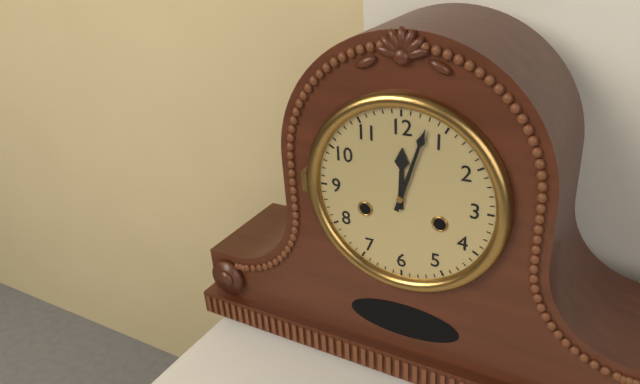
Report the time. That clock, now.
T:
12:03
